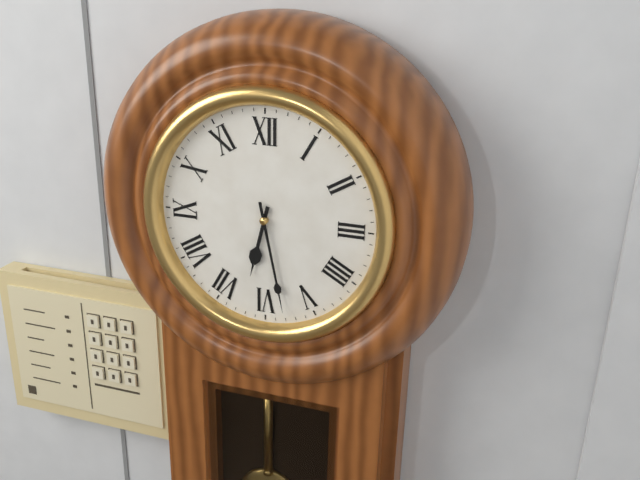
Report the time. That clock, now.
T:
6:28
